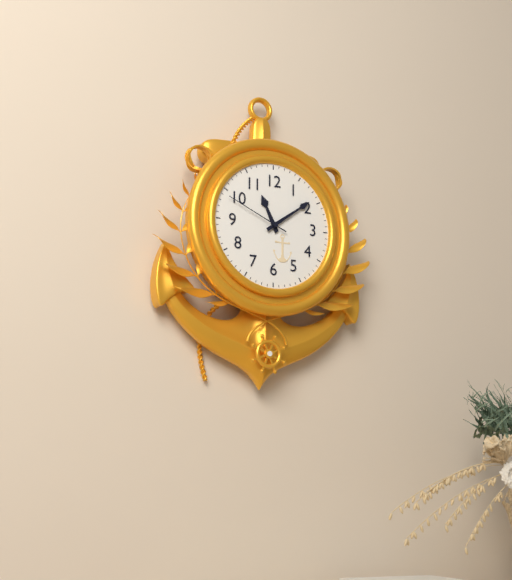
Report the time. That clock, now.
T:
11:09:49
